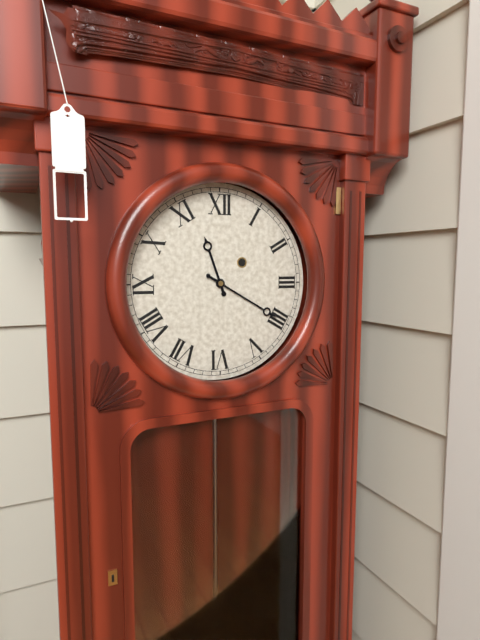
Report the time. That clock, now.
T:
11:20
